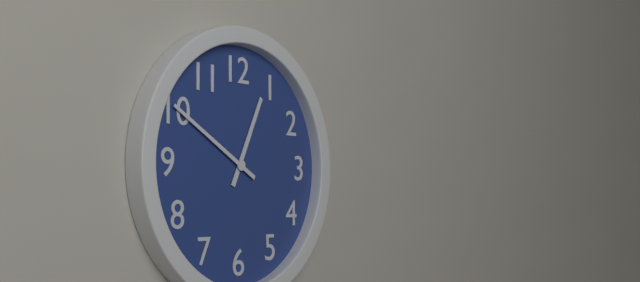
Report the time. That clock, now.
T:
12:50
